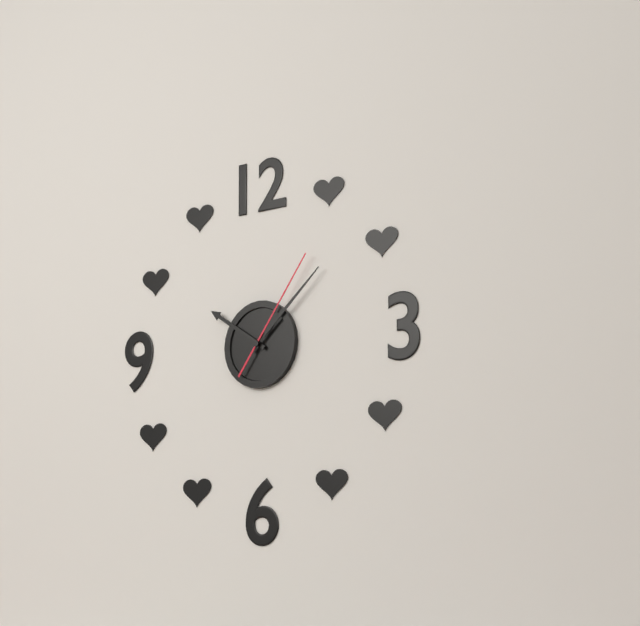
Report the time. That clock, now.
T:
10:08:06
